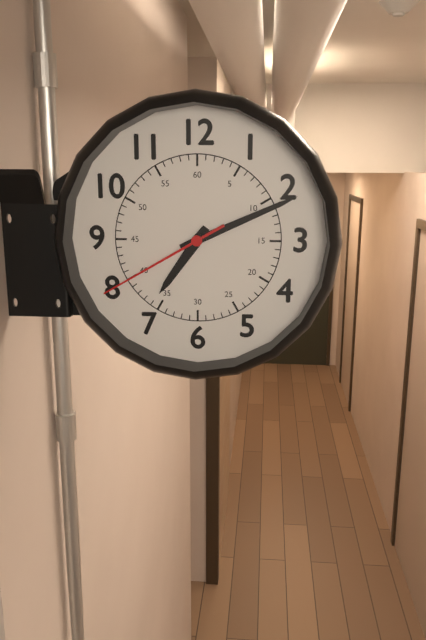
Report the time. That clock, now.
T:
7:11:40
